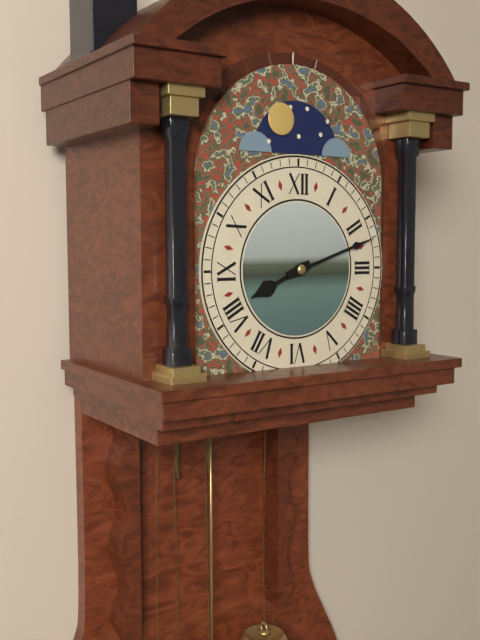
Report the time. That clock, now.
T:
8:12
